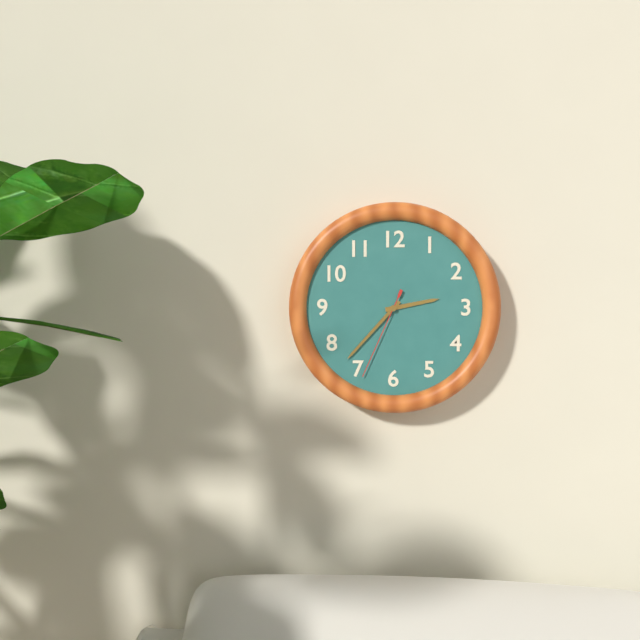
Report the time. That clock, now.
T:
2:37:34
